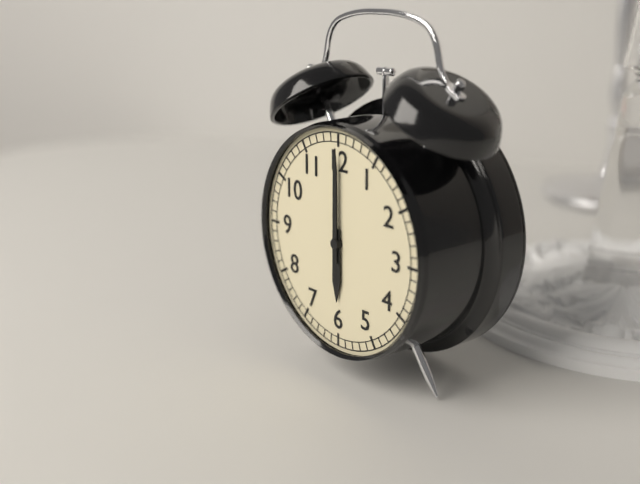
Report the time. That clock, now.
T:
6:00
